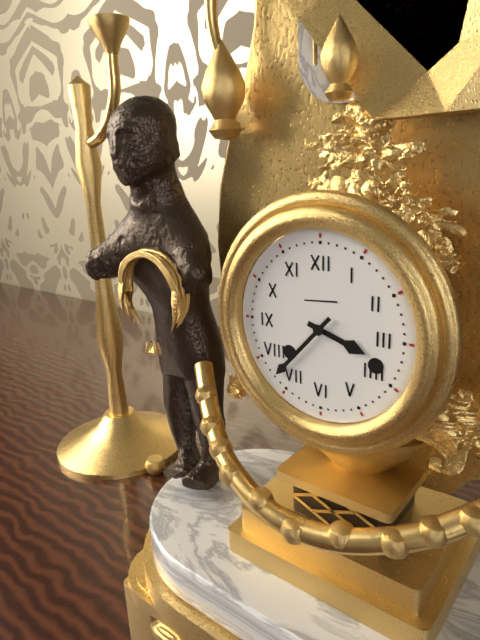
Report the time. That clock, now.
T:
3:37
